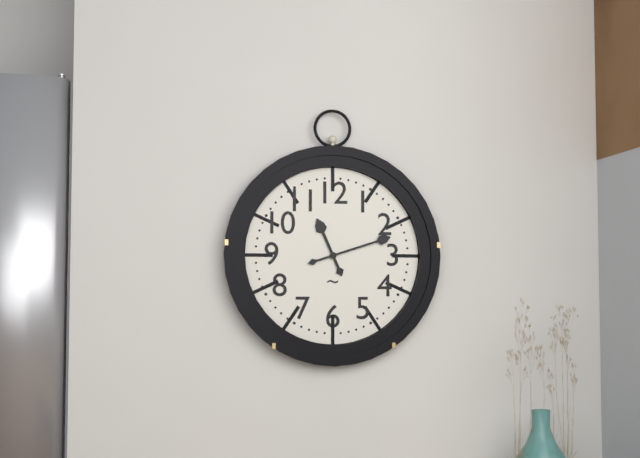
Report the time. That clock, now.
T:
11:12
